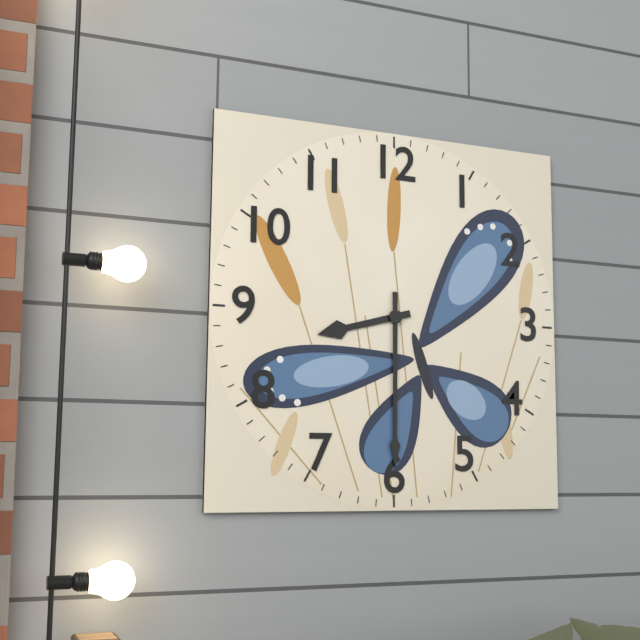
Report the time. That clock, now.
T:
8:30
